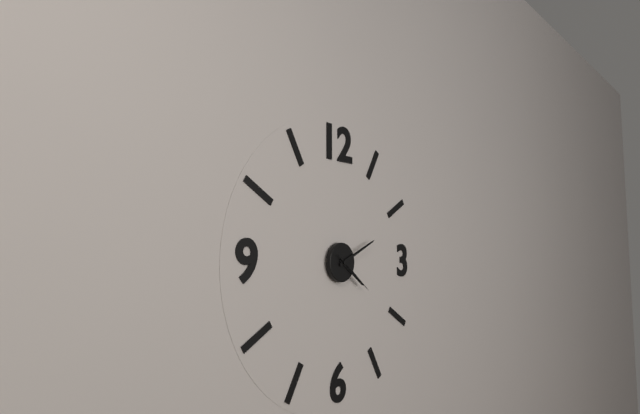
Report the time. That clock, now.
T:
4:11
